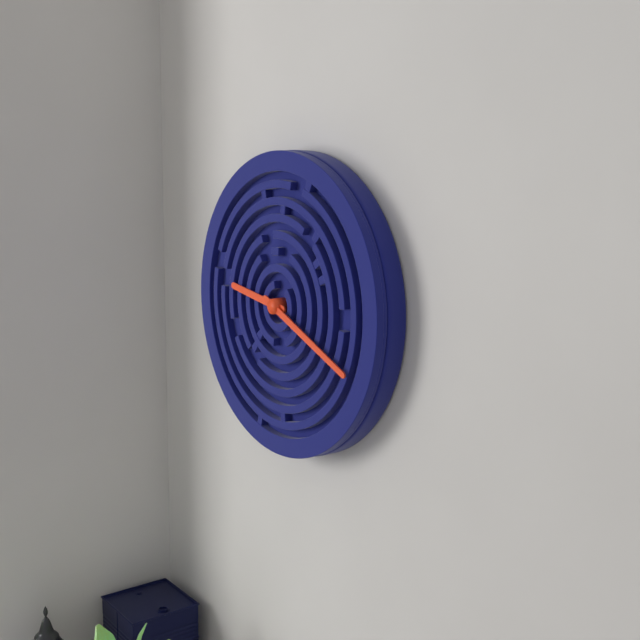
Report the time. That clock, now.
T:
9:19
